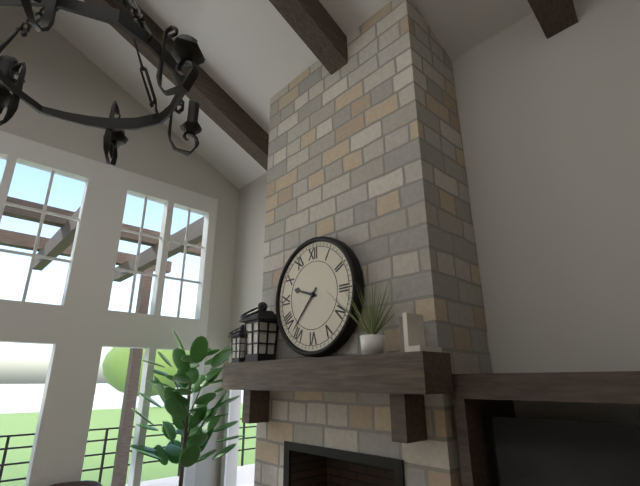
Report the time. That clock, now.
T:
9:37
